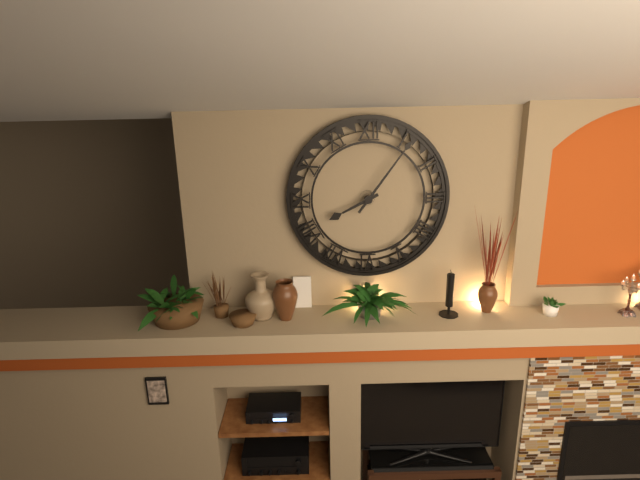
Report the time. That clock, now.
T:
8:06
